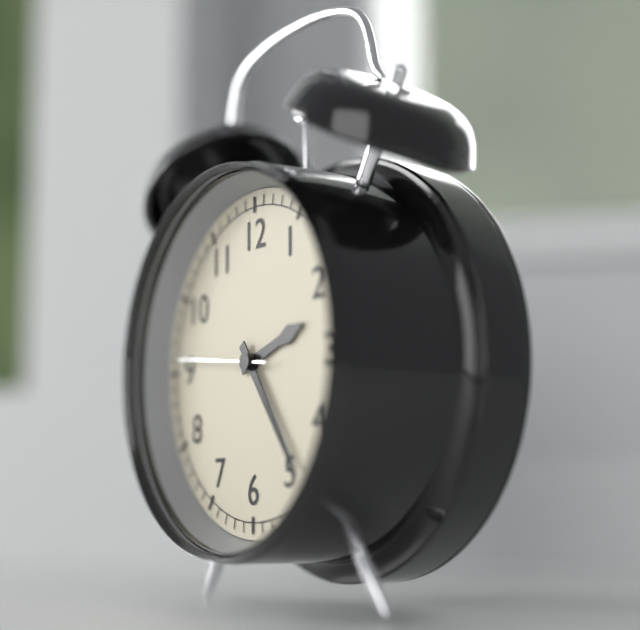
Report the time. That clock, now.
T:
2:24:46
